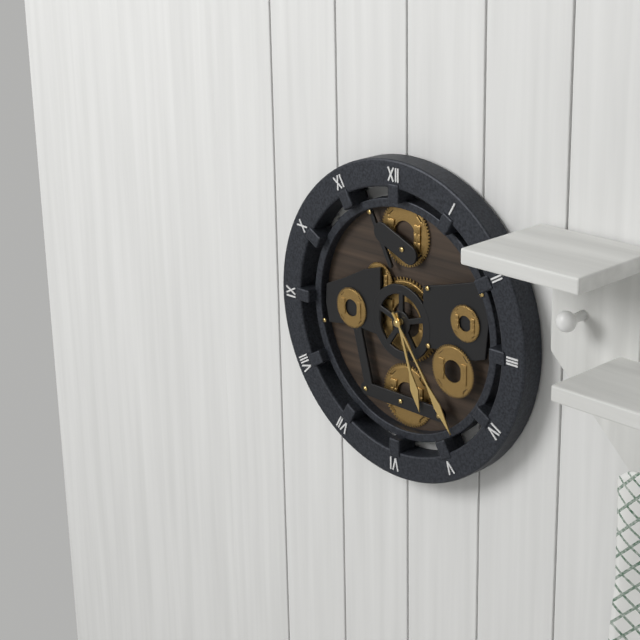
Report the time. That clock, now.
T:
5:24
